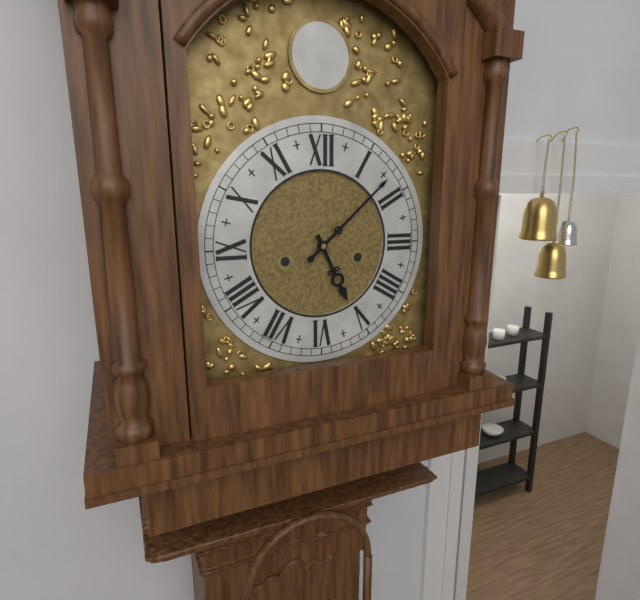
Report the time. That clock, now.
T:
5:08
